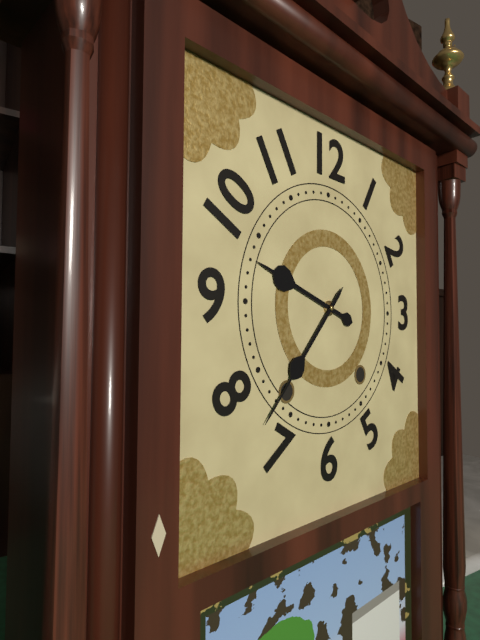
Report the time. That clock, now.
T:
9:37
